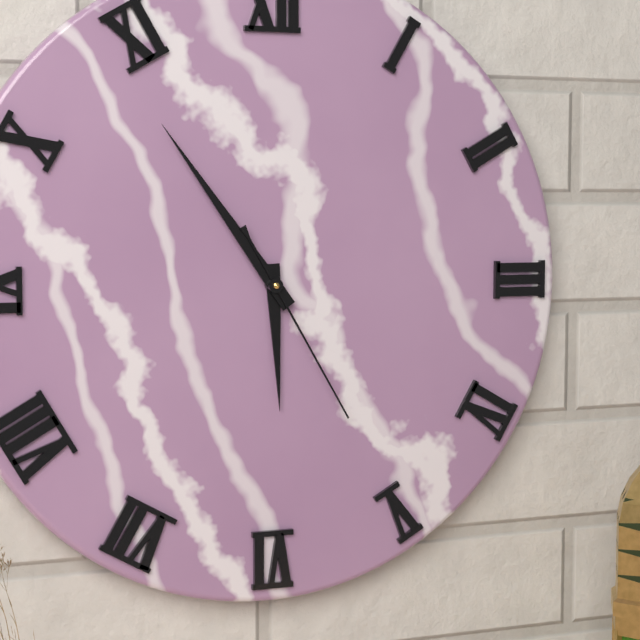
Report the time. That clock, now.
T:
5:54:25
